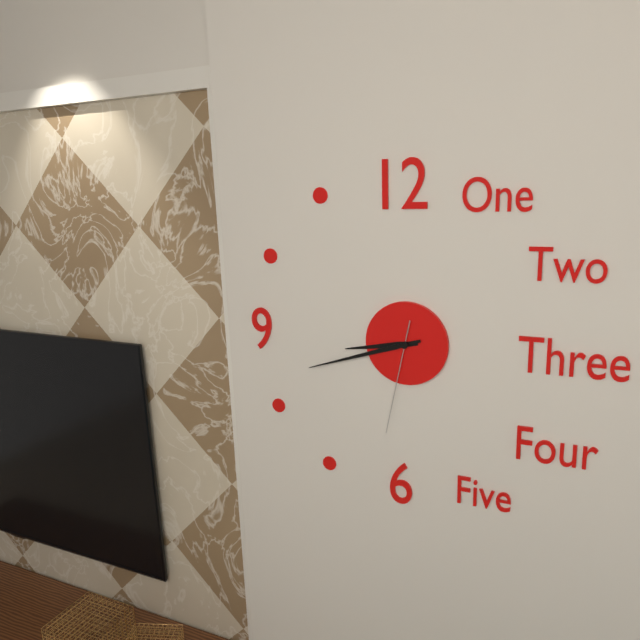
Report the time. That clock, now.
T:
8:42:32
